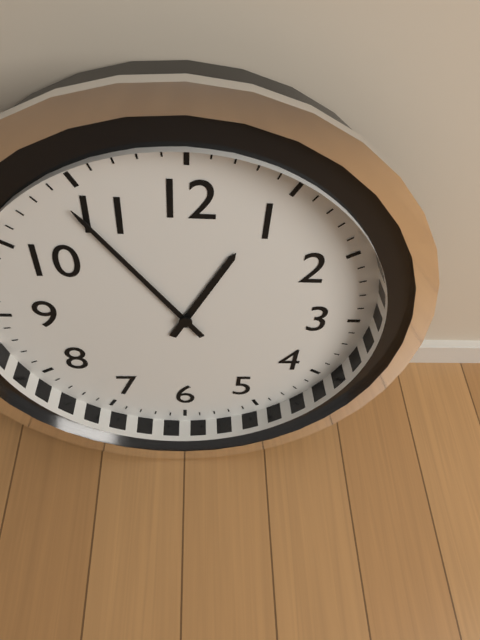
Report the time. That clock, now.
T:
12:54
